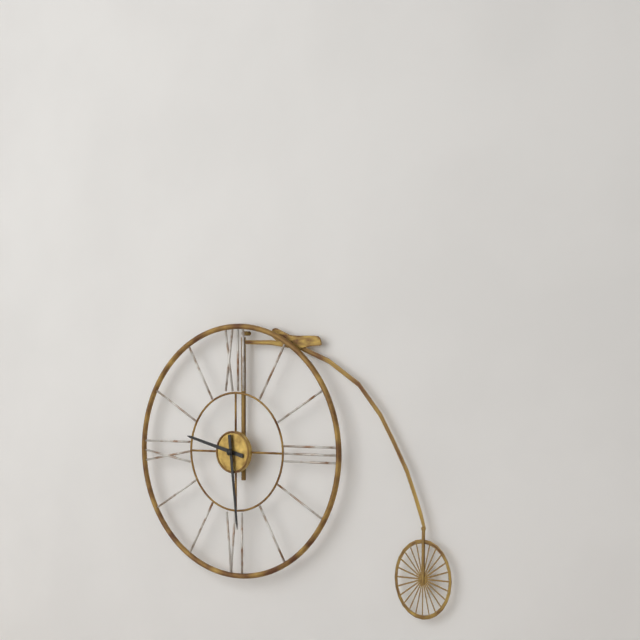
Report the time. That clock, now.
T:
9:29
